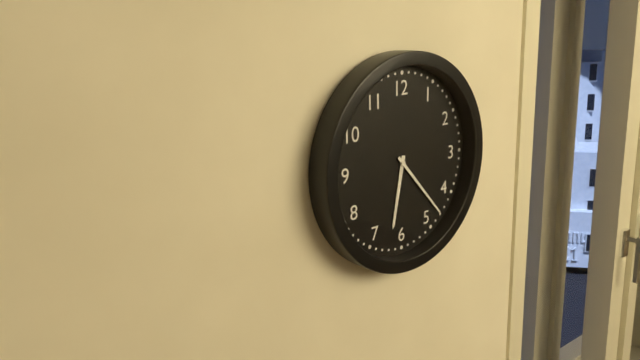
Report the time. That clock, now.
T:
6:23
